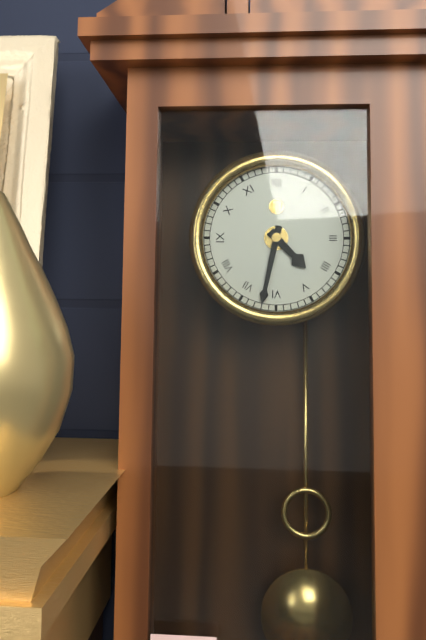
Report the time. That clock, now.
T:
4:32
